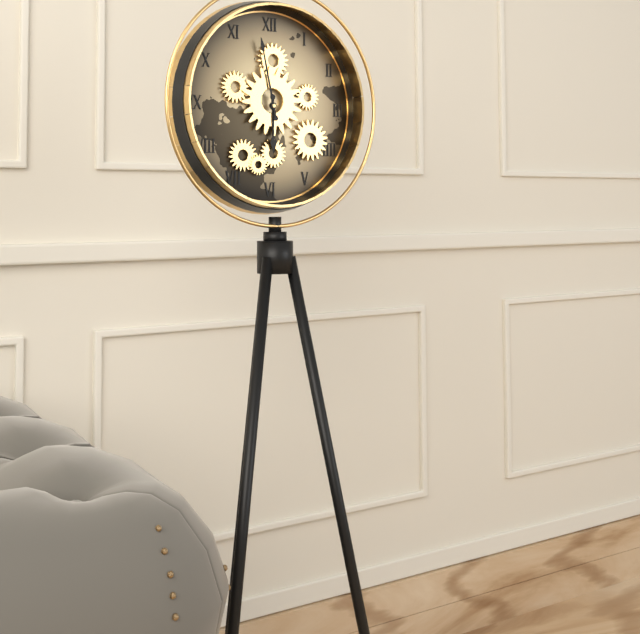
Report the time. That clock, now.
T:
5:58
